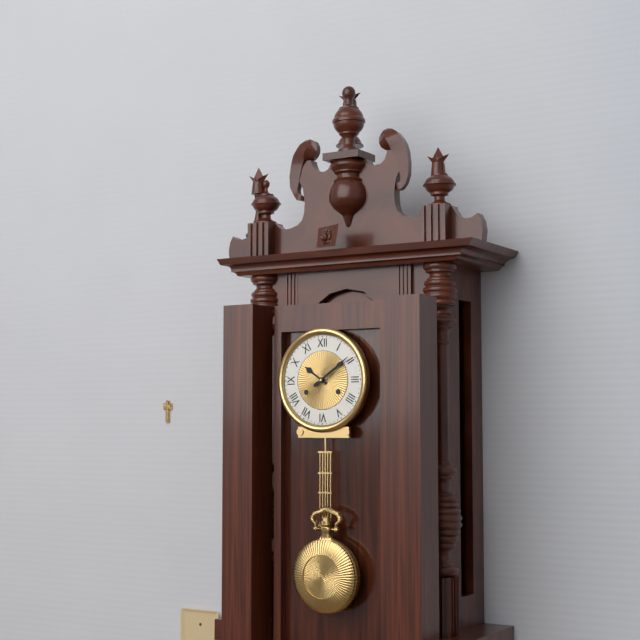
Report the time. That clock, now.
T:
10:09
